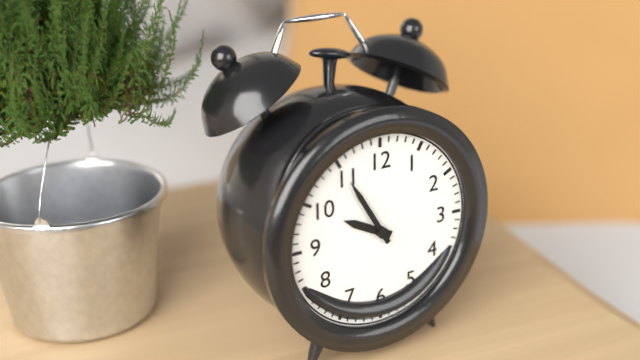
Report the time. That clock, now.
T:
9:55
